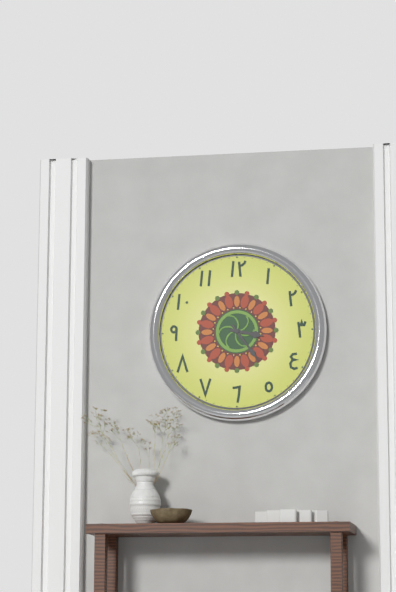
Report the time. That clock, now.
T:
3:24
